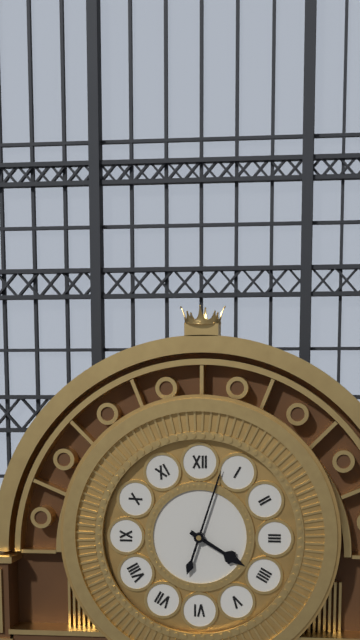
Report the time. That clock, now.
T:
4:03
